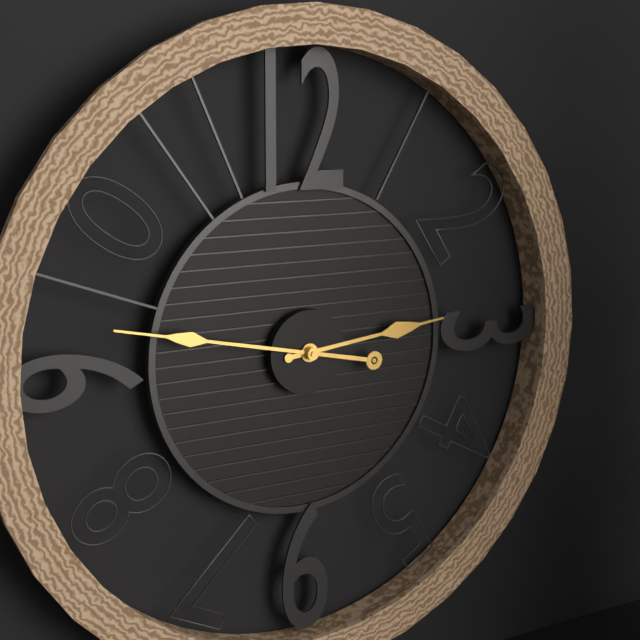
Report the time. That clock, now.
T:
2:47
